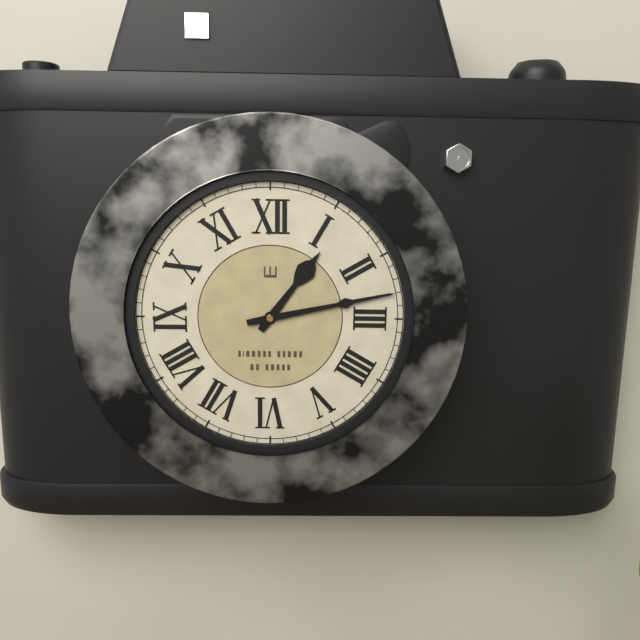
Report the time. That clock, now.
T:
1:13
